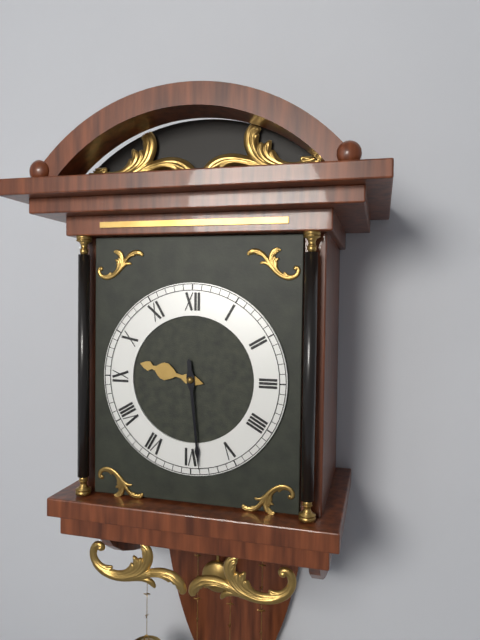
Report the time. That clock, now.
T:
9:29
